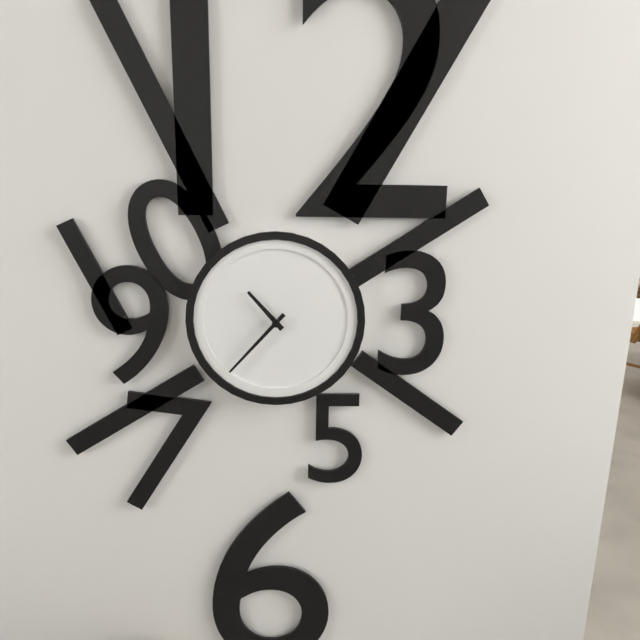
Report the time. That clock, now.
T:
10:37
